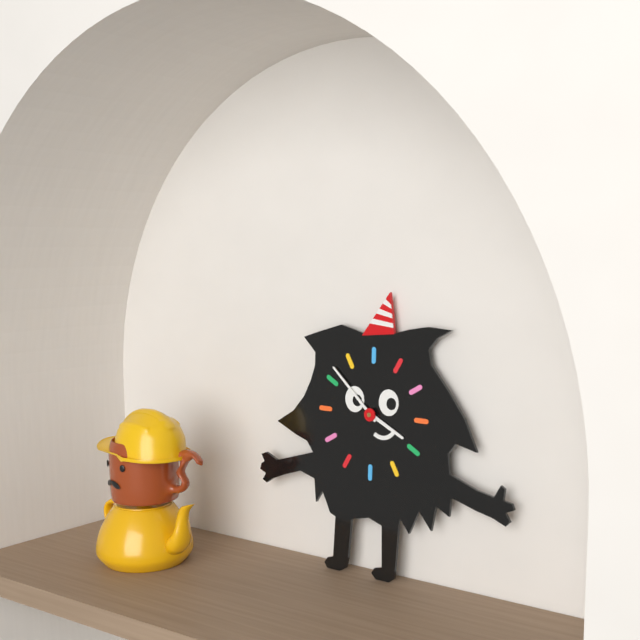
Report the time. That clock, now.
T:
3:52
